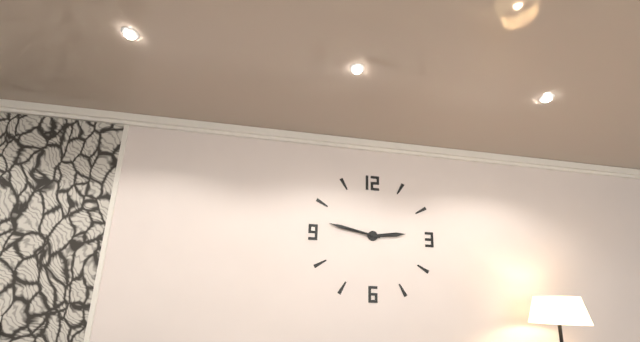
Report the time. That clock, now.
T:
2:47
